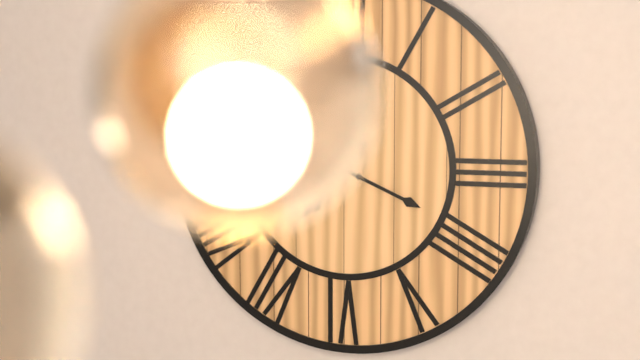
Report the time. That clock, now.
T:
7:19
